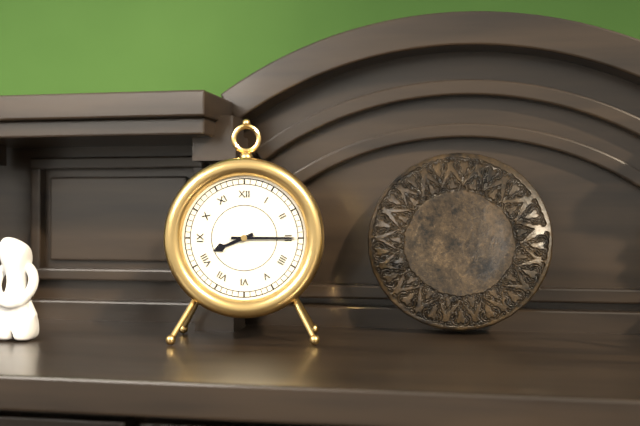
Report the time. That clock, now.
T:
8:15
